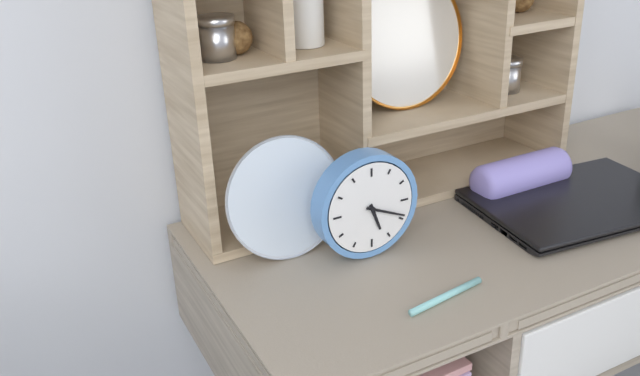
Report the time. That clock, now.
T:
5:19
